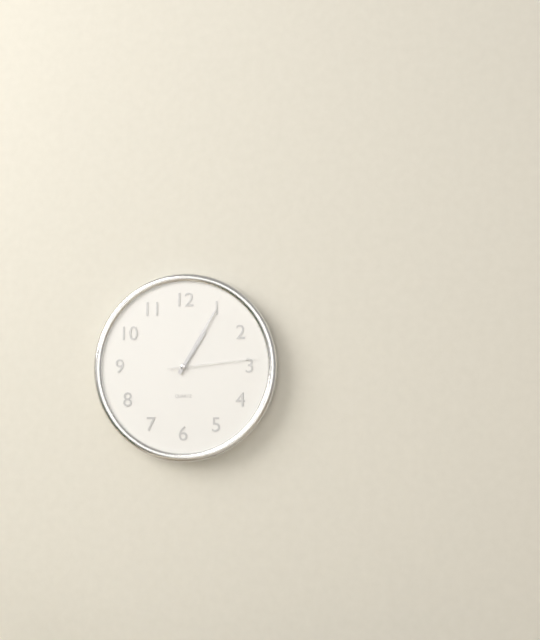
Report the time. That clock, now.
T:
1:05:14
